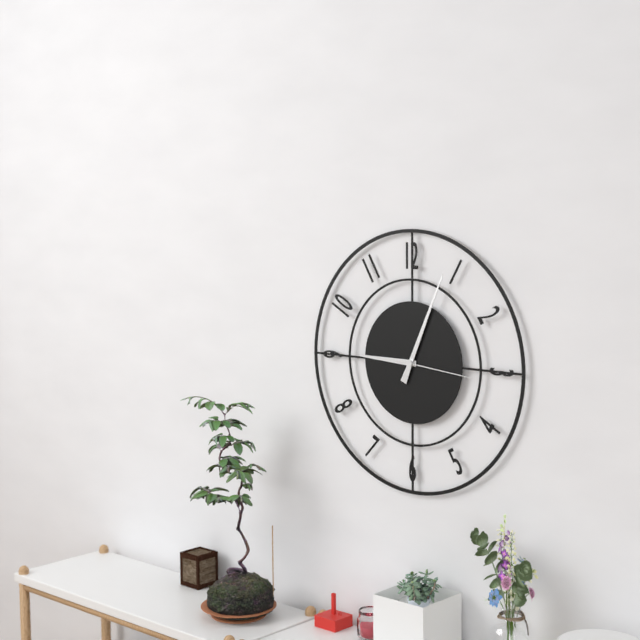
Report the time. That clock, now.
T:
9:04:16
